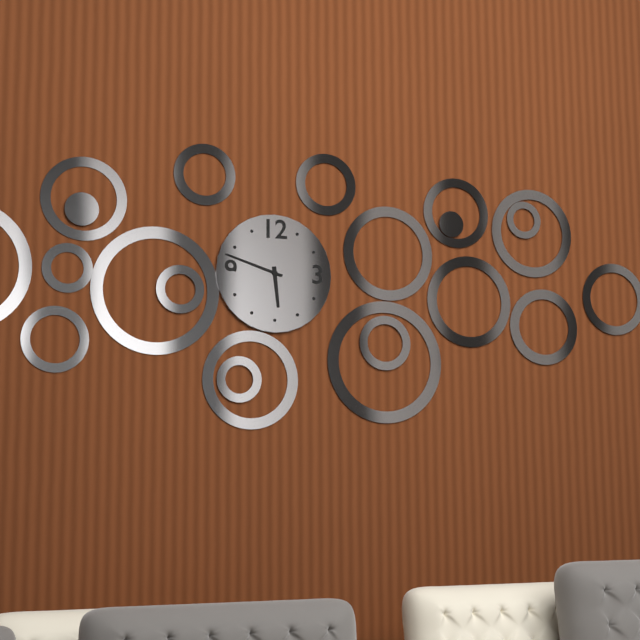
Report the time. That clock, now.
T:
5:48
